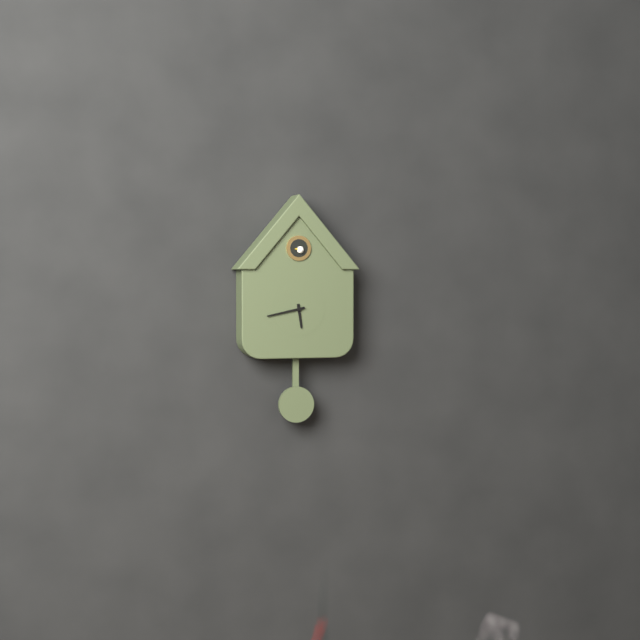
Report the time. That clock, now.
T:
5:43
